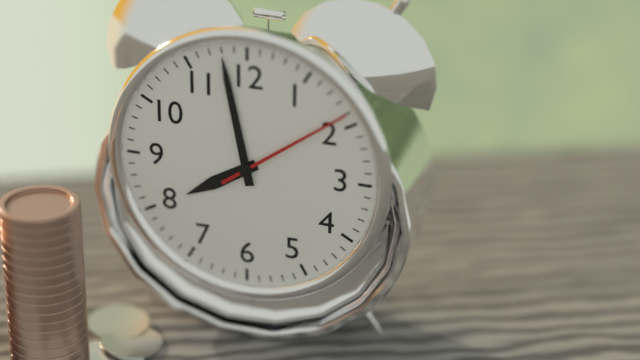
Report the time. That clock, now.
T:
7:58:09
